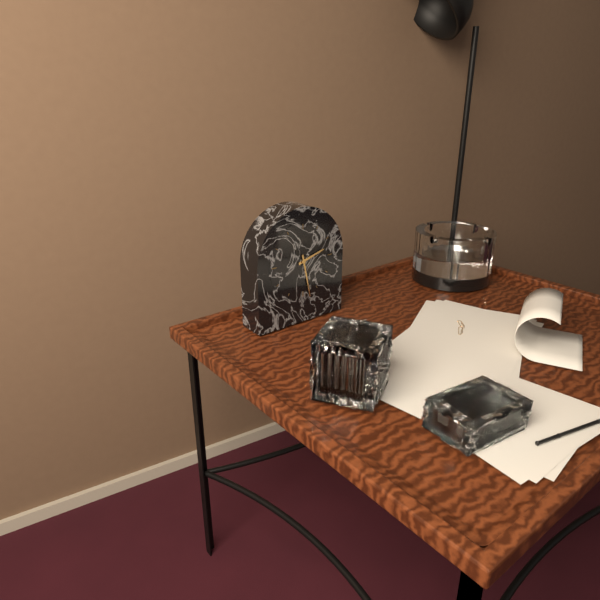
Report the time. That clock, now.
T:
2:28
